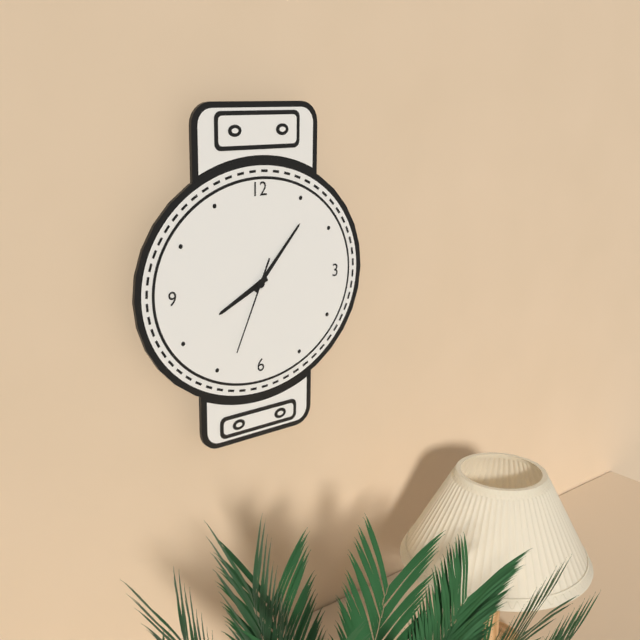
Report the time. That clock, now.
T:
8:07:34
